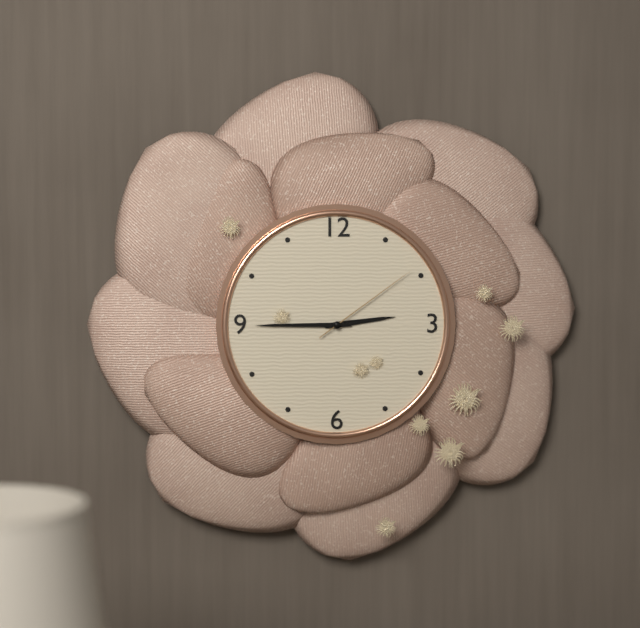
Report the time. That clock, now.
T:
2:45:09
